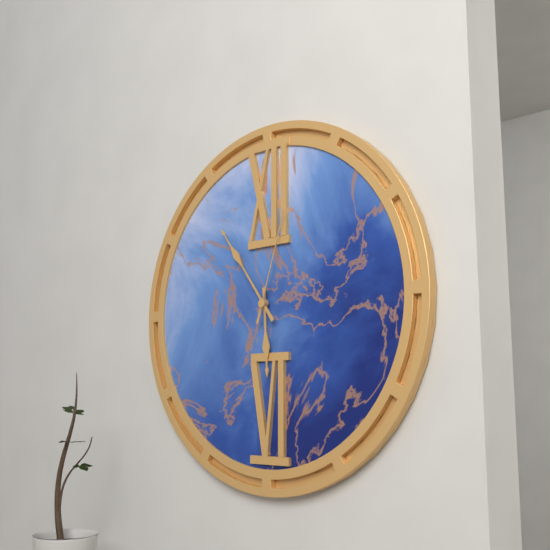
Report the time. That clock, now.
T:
5:54:03
